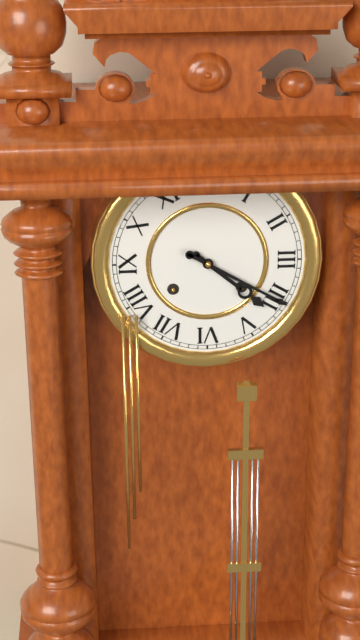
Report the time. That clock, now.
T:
4:20
